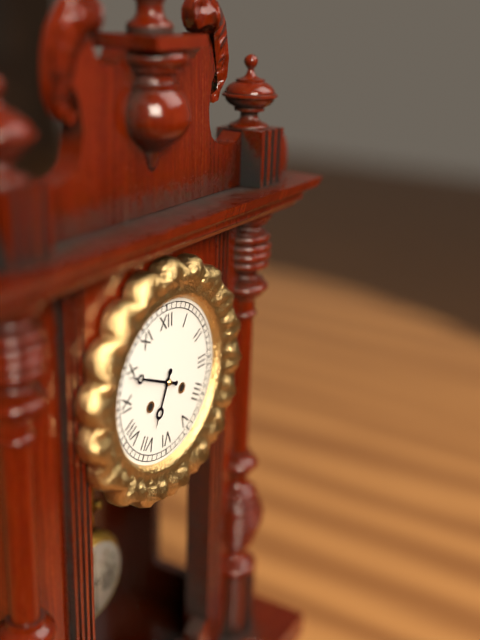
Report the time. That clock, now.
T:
6:49
